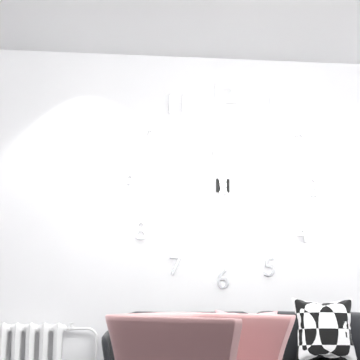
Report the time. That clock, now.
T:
11:32
